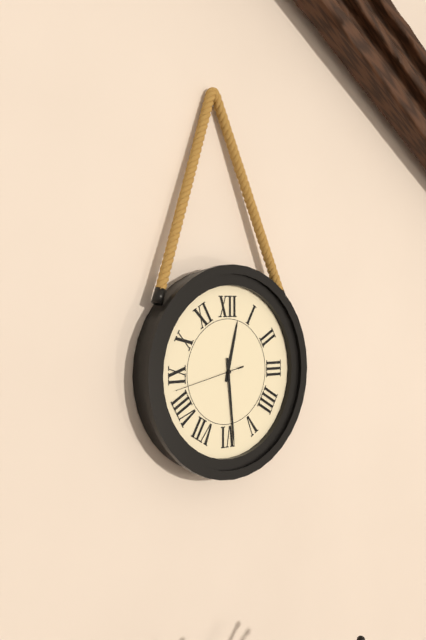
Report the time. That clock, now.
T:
12:29:43
